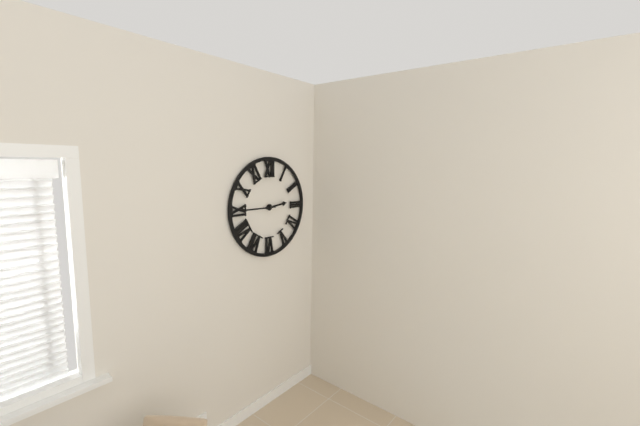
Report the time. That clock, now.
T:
2:45
